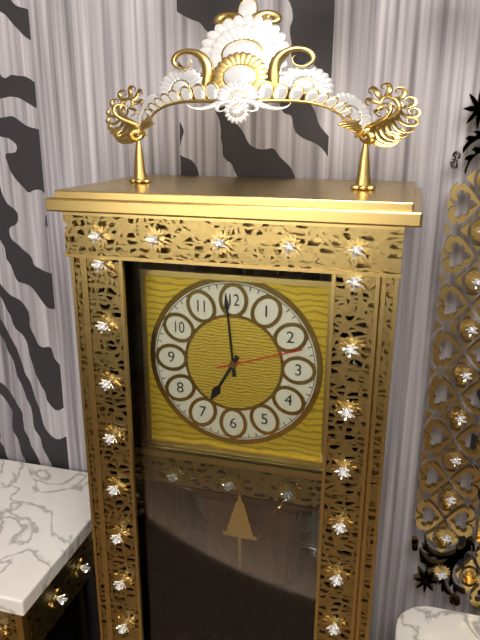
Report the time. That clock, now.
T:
6:59:12
